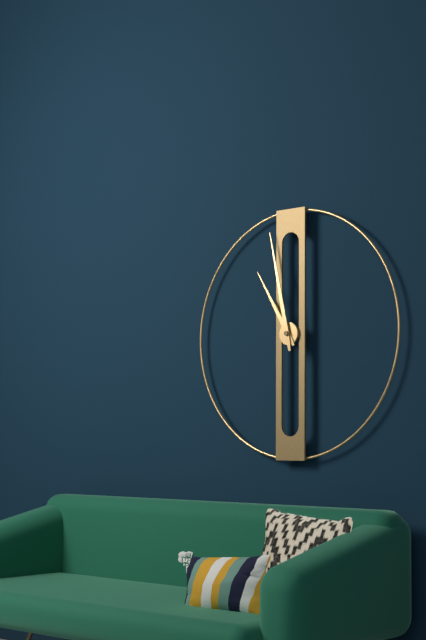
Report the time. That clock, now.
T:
10:58
